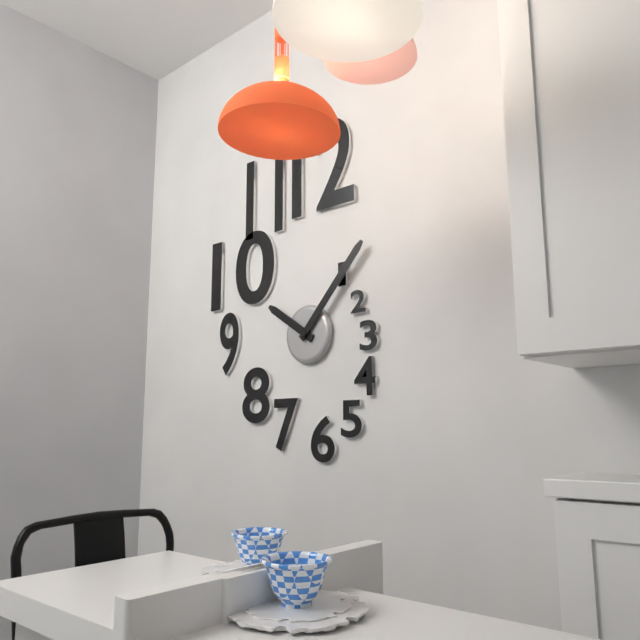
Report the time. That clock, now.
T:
10:07
